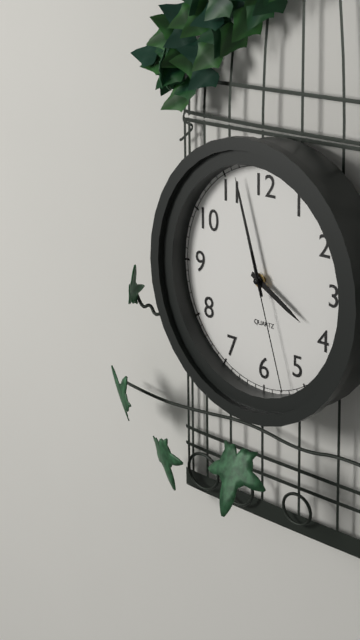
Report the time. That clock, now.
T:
3:57:27
